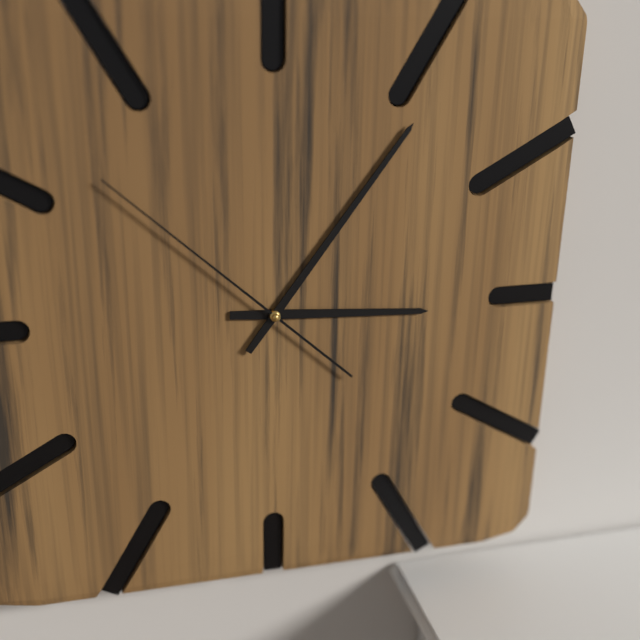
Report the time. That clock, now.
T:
3:06:52
